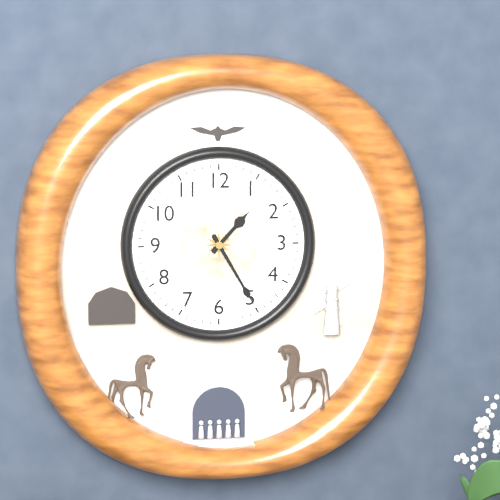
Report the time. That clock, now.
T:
1:25
